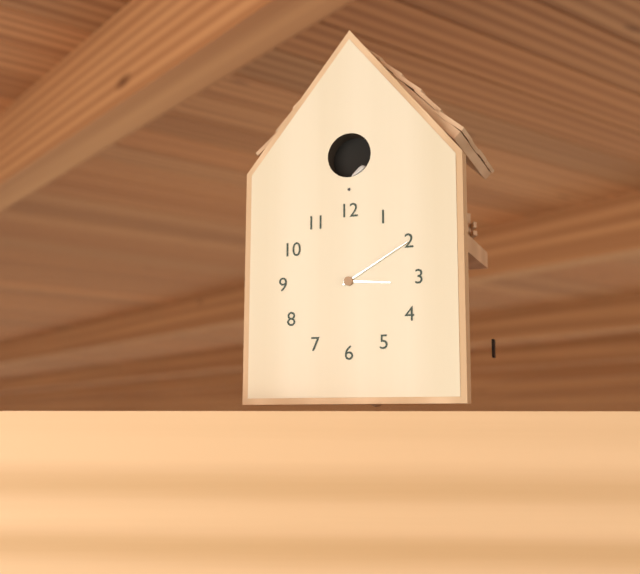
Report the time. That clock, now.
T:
3:10
